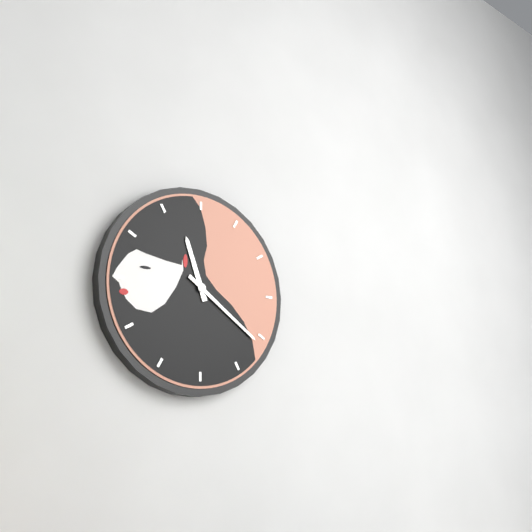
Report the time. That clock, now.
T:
11:21
